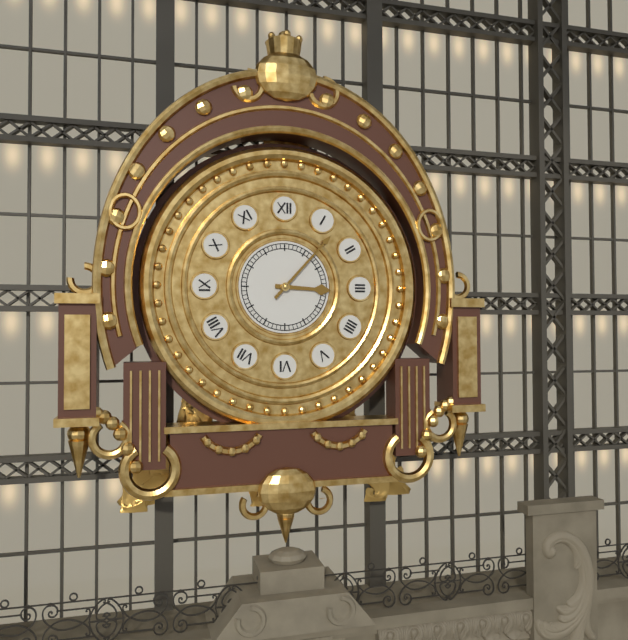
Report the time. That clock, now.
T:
3:07
